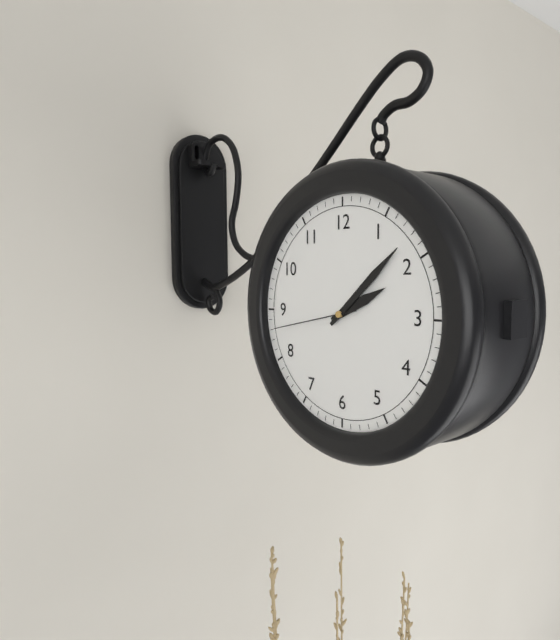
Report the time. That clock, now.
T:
2:08:43
